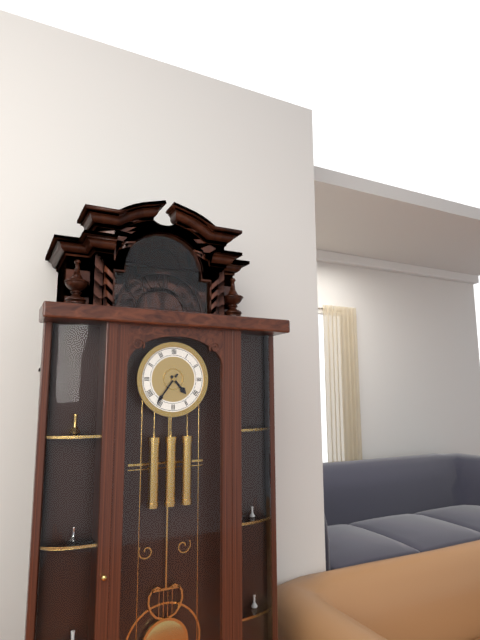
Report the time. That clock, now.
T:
4:36
